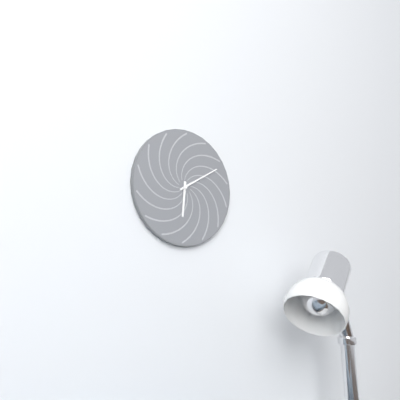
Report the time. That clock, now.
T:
6:10
